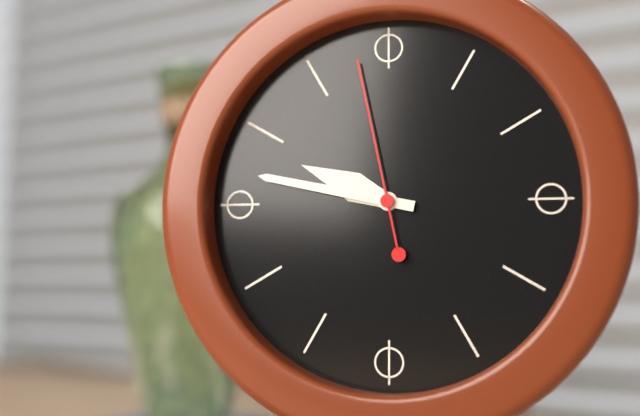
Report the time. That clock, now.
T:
9:47:58
